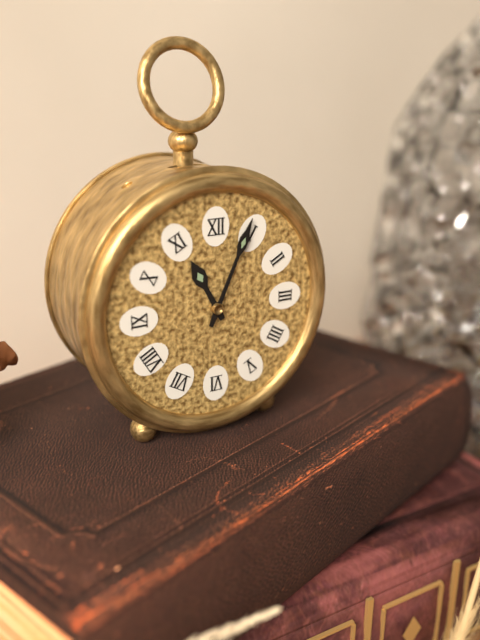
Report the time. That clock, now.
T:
11:04
